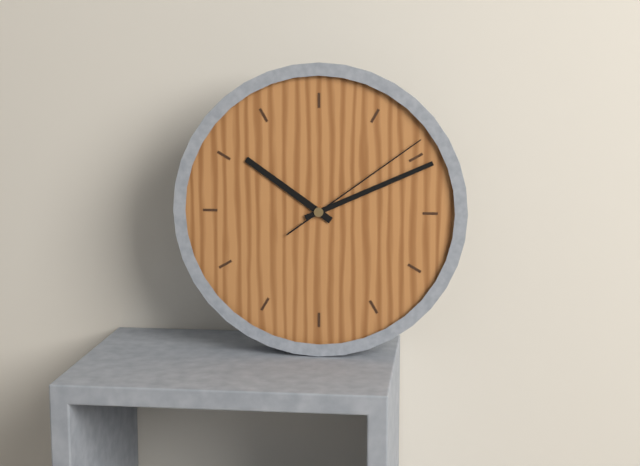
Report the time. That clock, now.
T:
10:11:09
